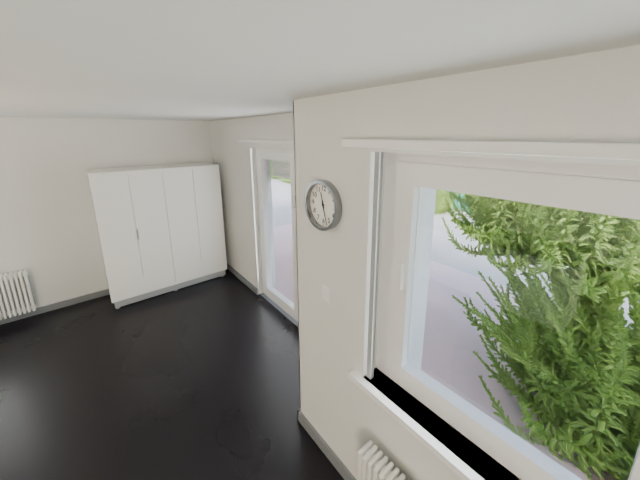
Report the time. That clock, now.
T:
11:27
